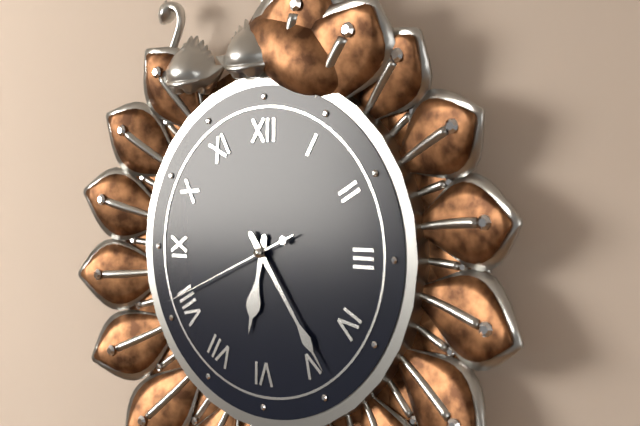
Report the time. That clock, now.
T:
6:24:41
